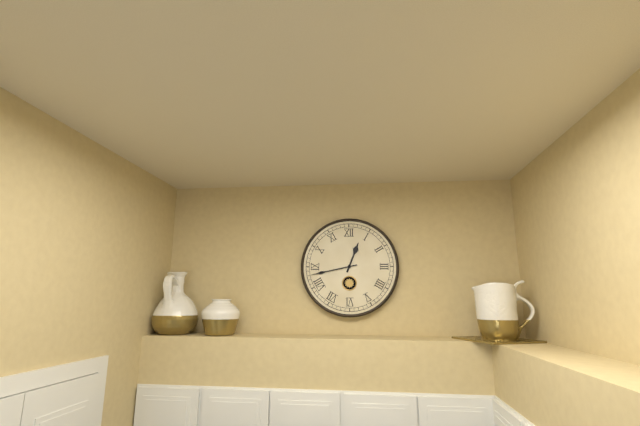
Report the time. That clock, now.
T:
12:43
